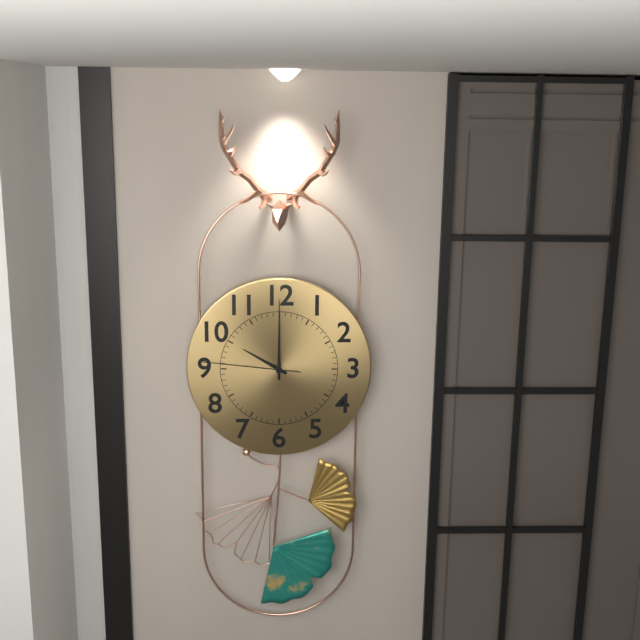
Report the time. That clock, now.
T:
10:00:46
